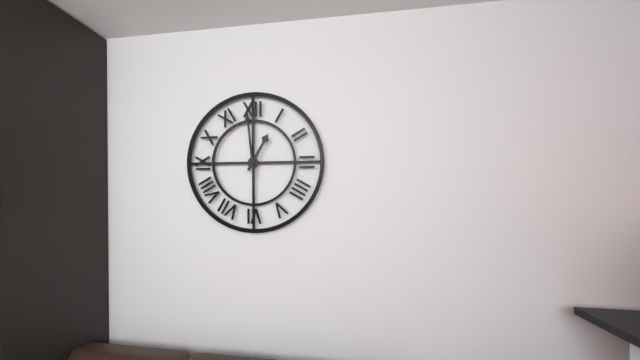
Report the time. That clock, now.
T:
12:59
